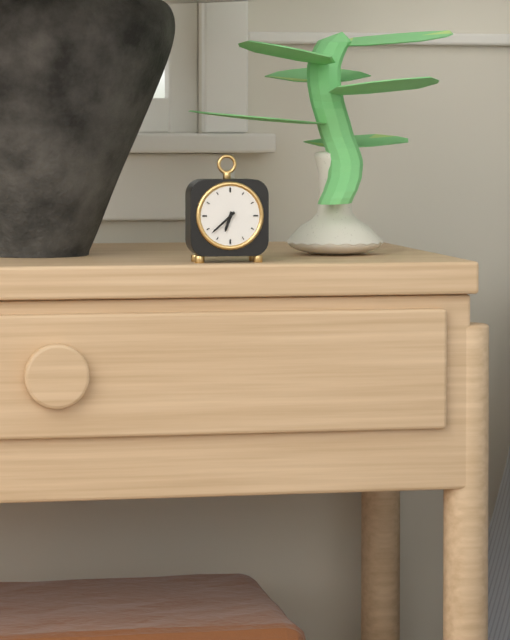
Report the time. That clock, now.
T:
6:38
